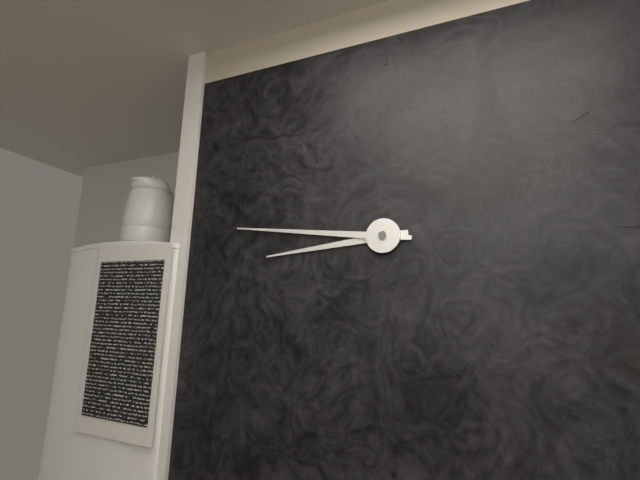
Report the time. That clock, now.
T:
8:46
